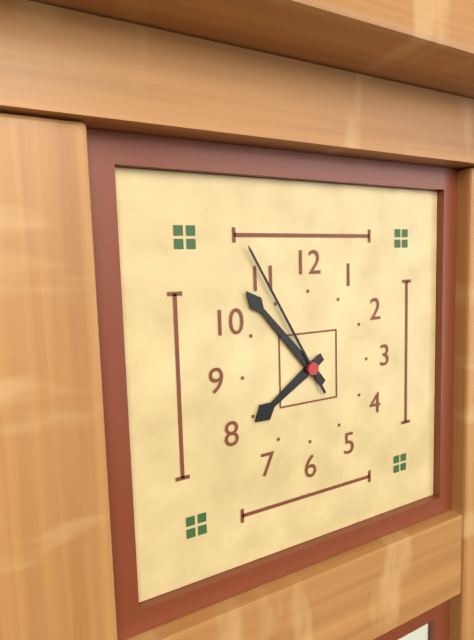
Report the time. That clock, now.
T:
7:53:55
